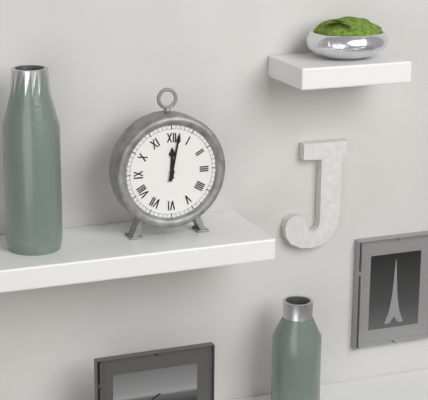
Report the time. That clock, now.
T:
12:02
